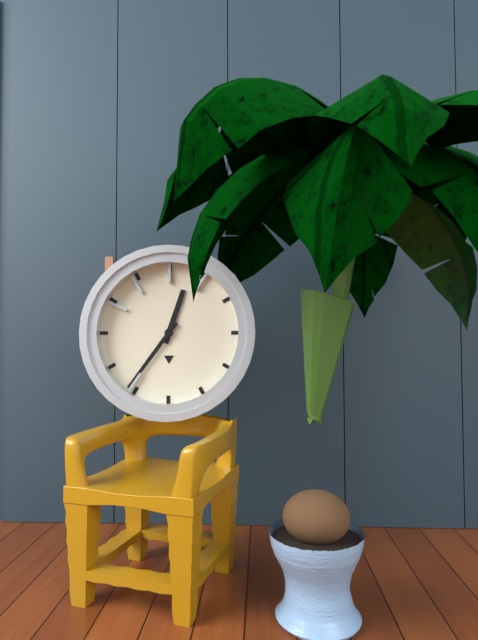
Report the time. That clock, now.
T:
12:36
